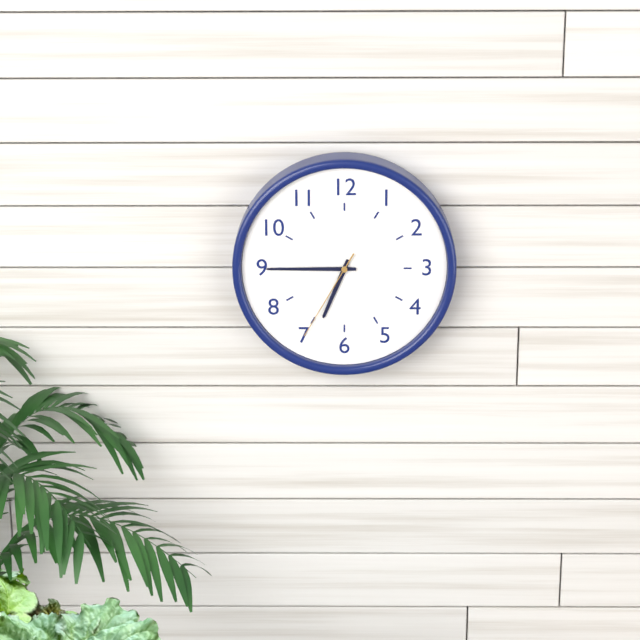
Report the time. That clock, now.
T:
6:45:35
